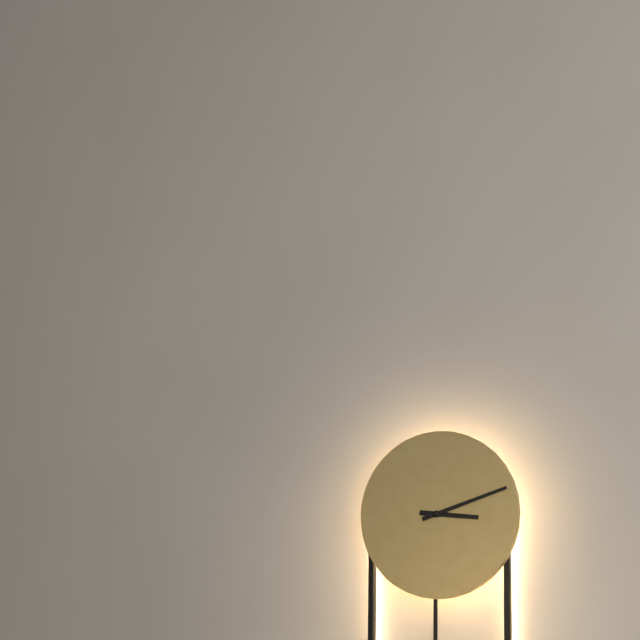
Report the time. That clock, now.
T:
3:12
